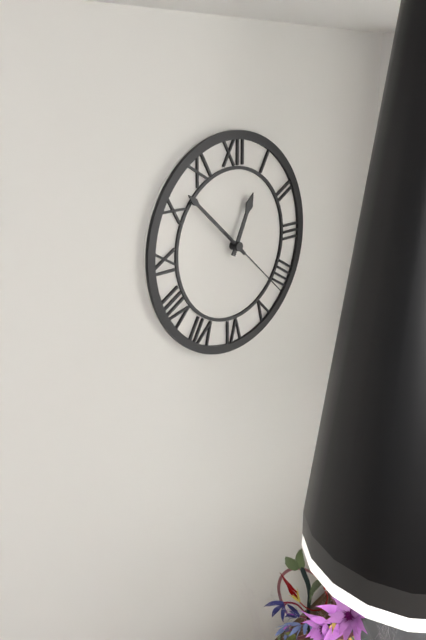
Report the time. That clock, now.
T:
12:52:22
